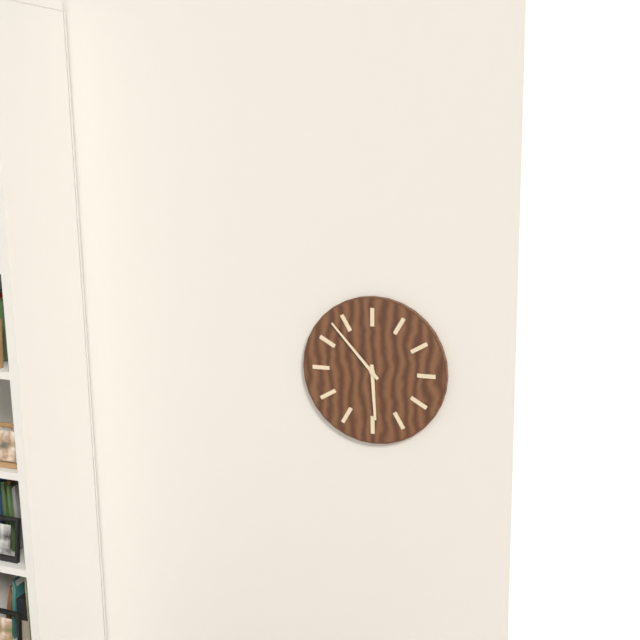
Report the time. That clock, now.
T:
5:53
